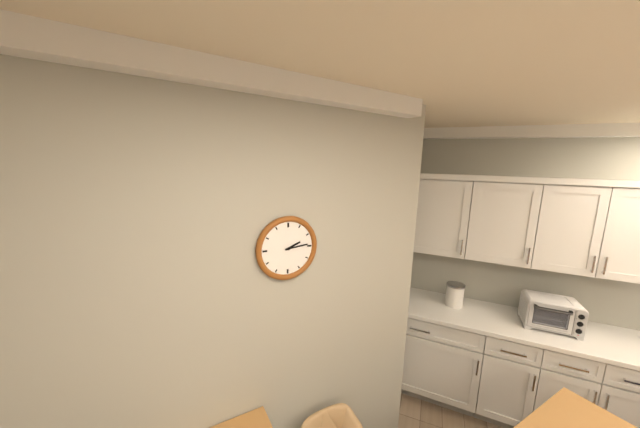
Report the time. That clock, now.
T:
2:14
